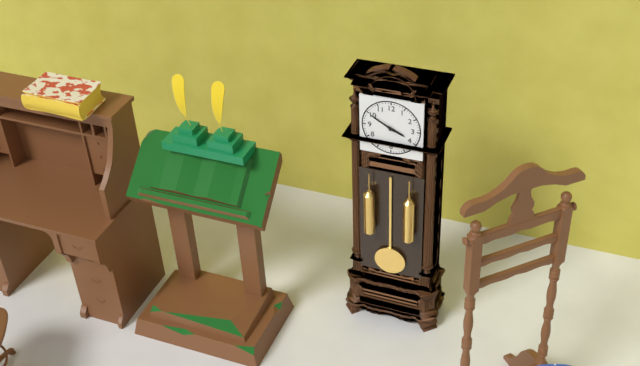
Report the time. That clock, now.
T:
3:50
